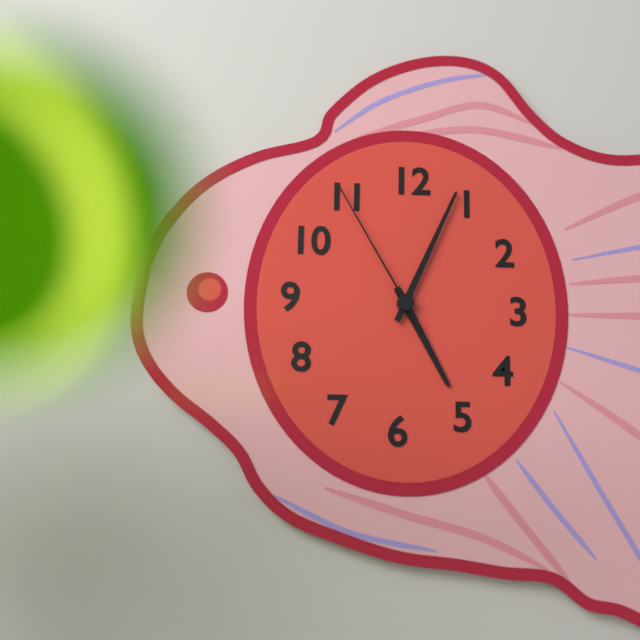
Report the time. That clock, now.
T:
5:04:55
